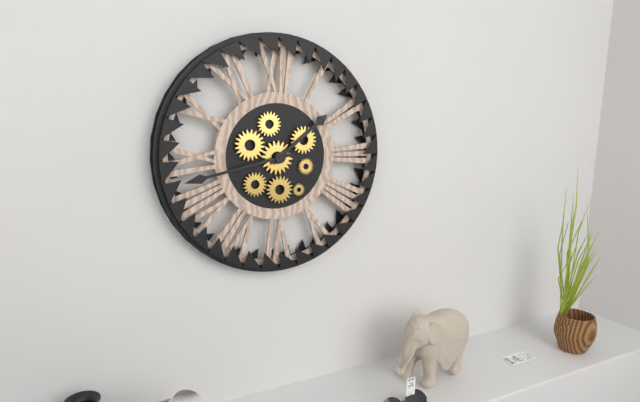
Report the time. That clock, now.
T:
1:43
